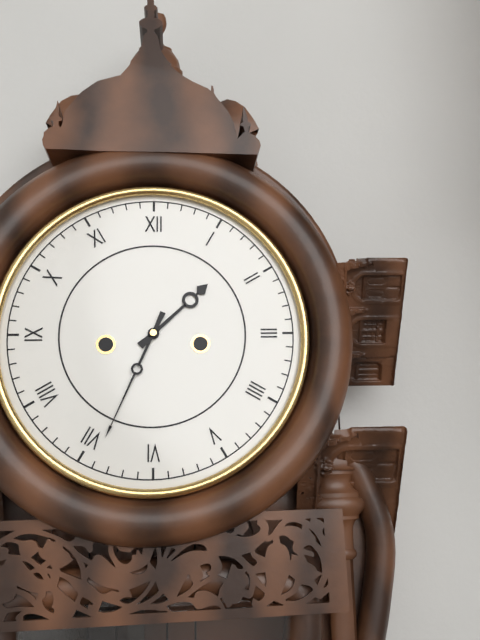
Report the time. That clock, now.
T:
1:34
